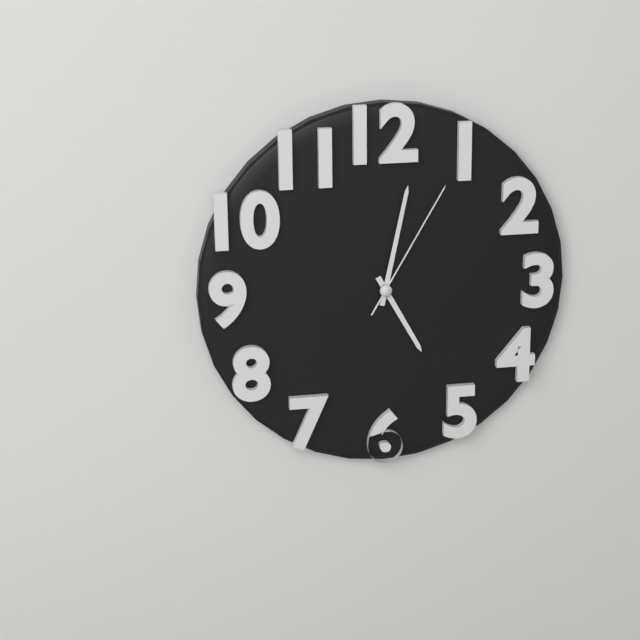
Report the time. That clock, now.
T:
5:02:05
